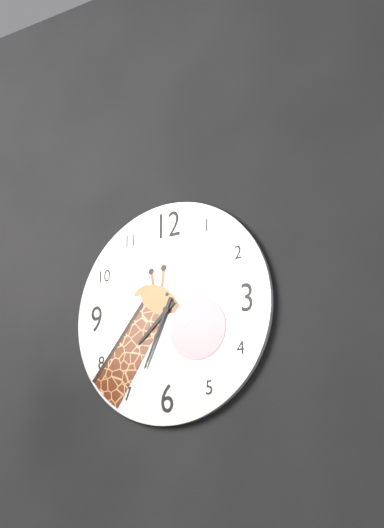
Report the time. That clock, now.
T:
7:34
